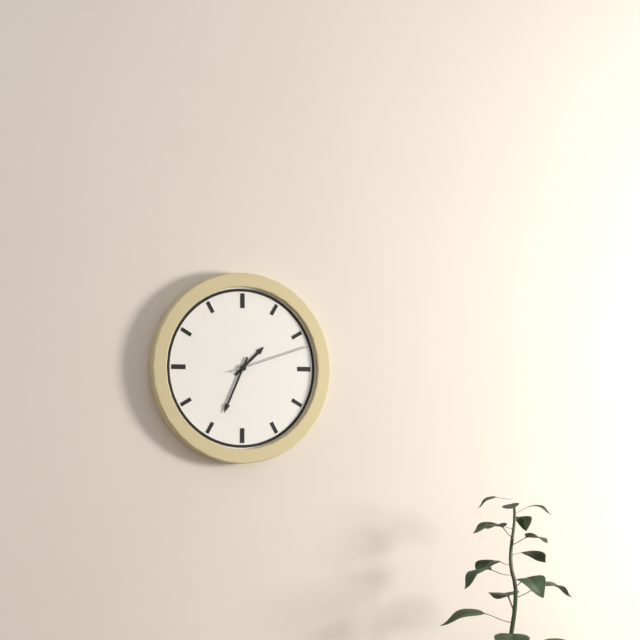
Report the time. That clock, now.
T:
1:34:12
